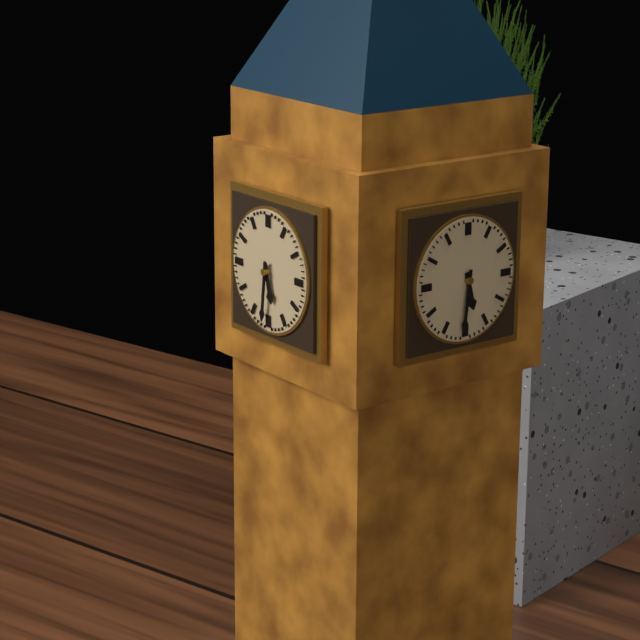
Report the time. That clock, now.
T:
5:31
